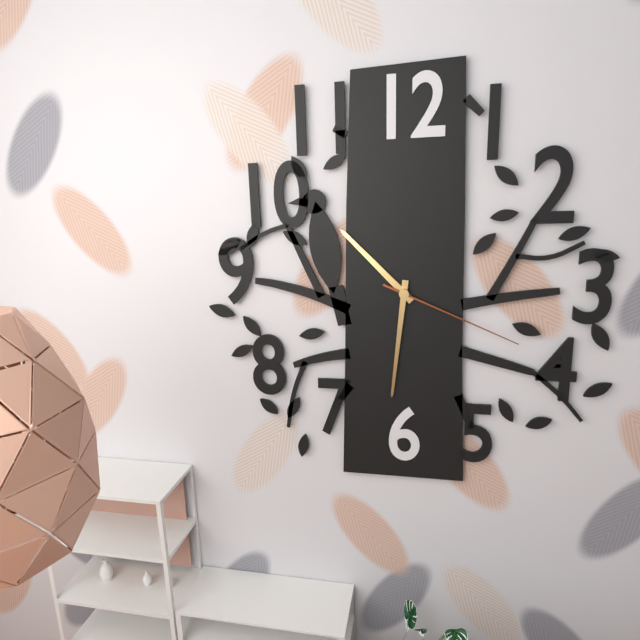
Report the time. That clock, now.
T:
10:31:19
